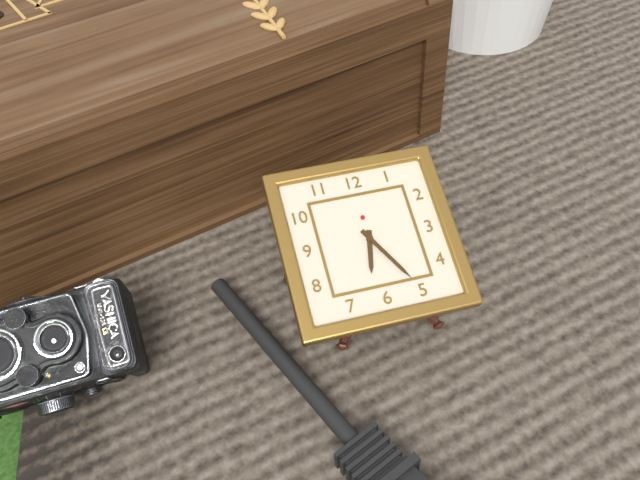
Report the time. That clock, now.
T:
6:25
